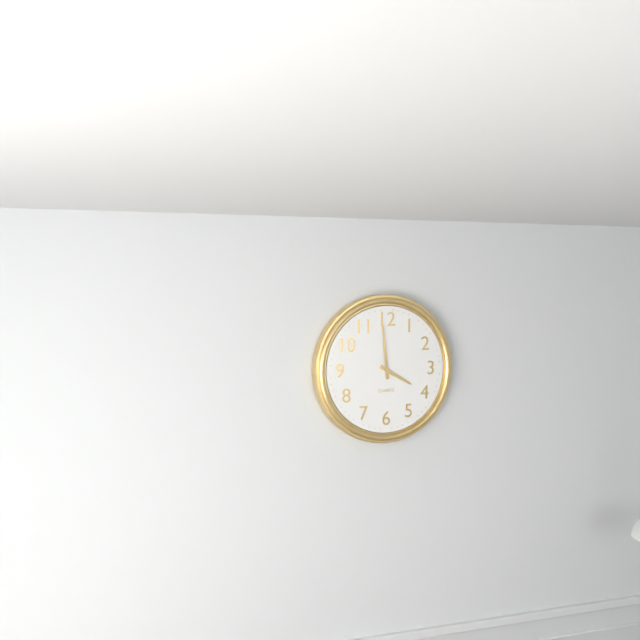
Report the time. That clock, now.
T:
3:59
